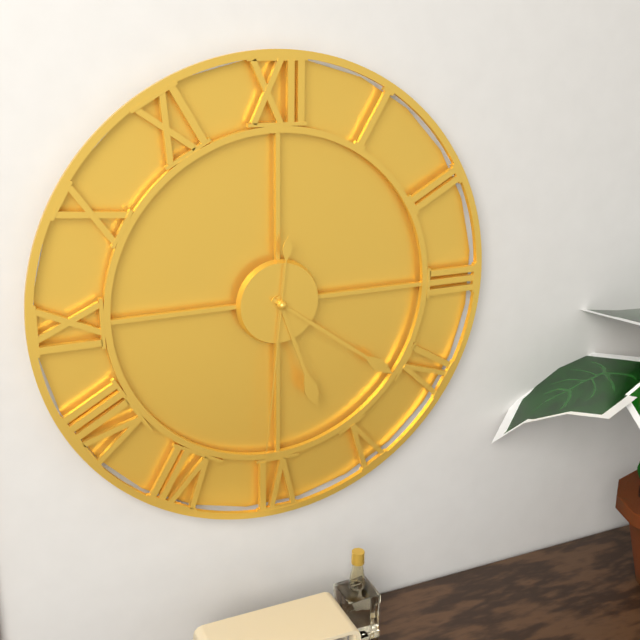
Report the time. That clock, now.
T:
5:21:31
